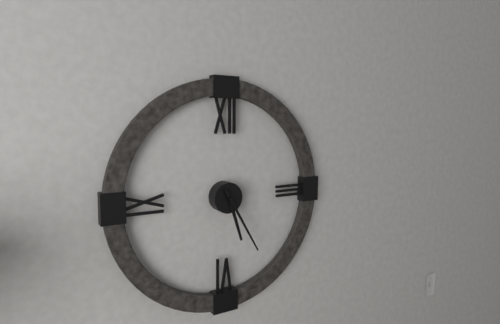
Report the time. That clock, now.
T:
5:25
